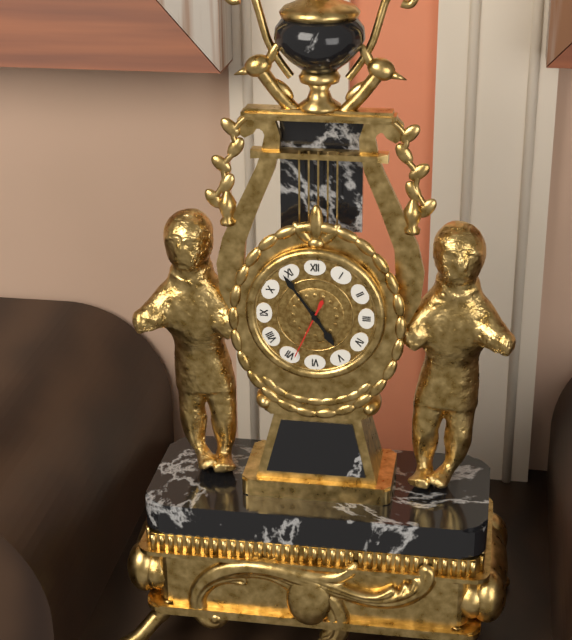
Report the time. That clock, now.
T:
4:54:34
